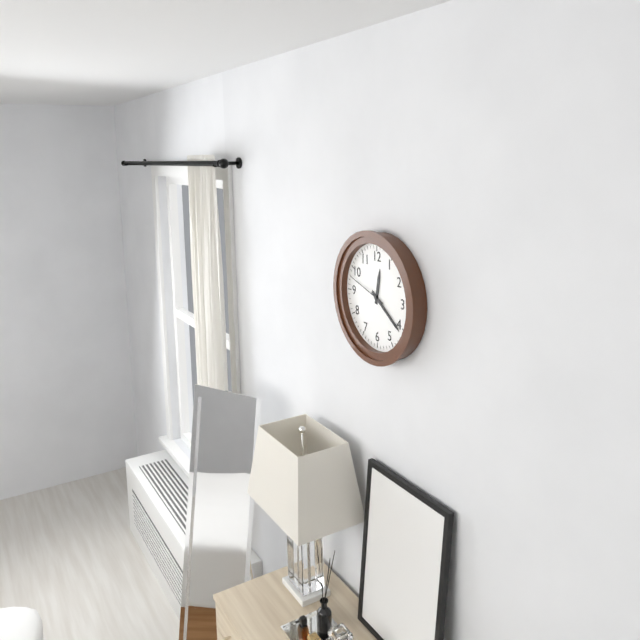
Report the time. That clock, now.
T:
12:21
